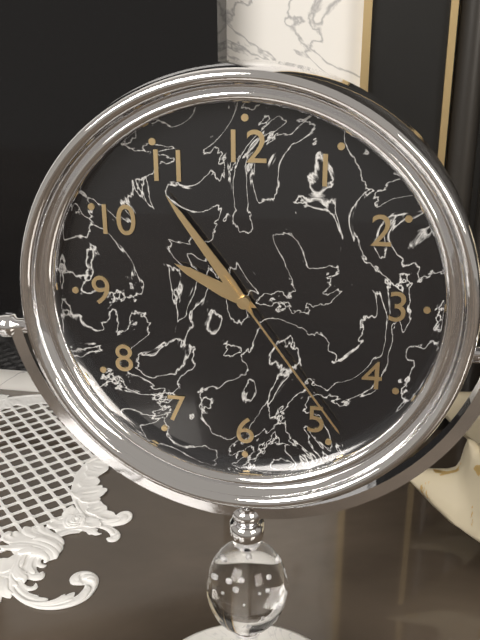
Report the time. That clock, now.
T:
9:54:24
